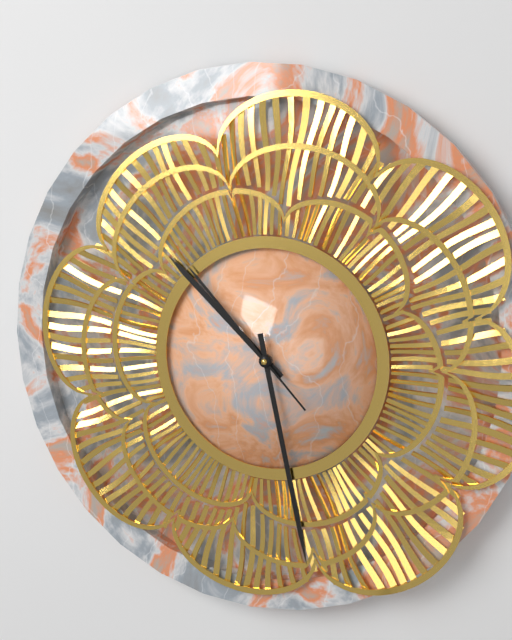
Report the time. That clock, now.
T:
10:28:53
